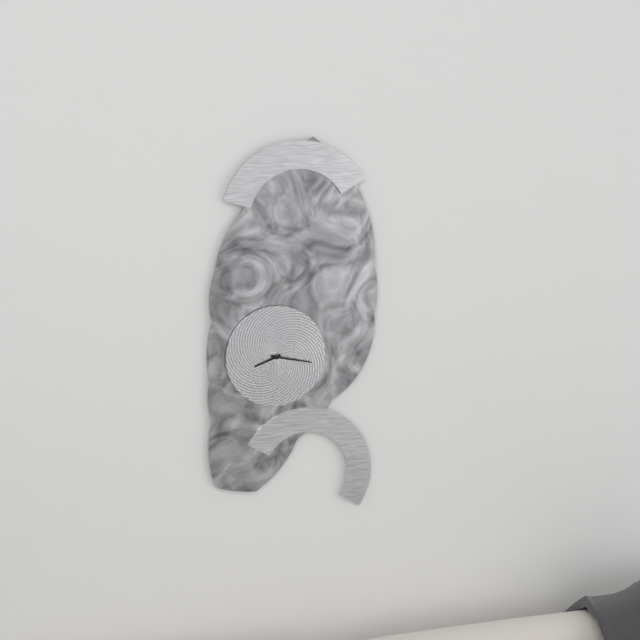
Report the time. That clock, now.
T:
8:17
